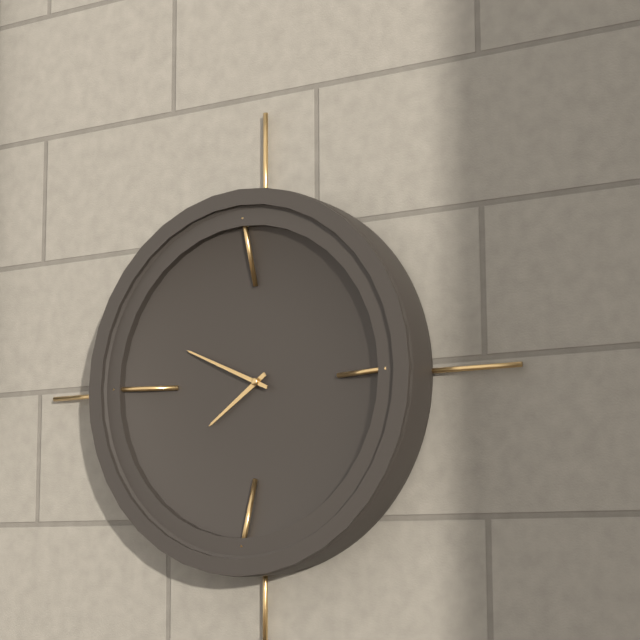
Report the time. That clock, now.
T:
7:49
